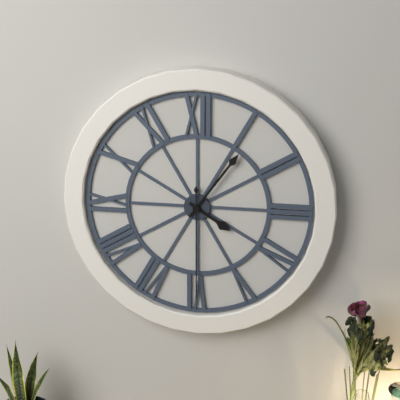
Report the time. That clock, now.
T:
4:06:30
